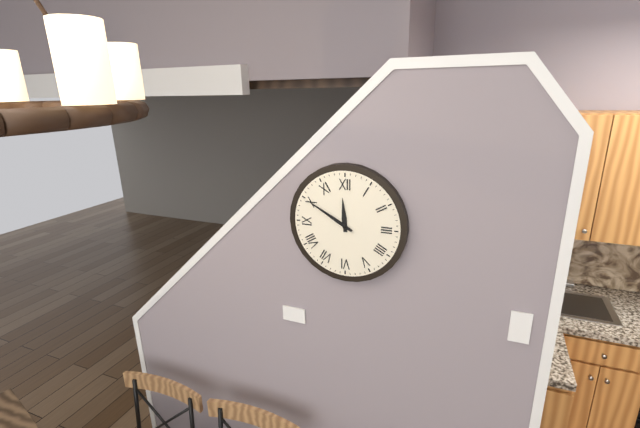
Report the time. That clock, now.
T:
11:50
